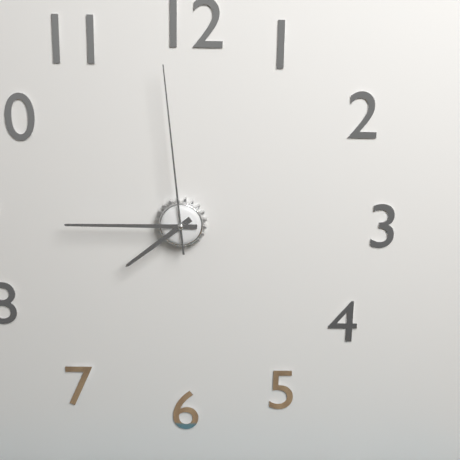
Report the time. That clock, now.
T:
7:45:59
